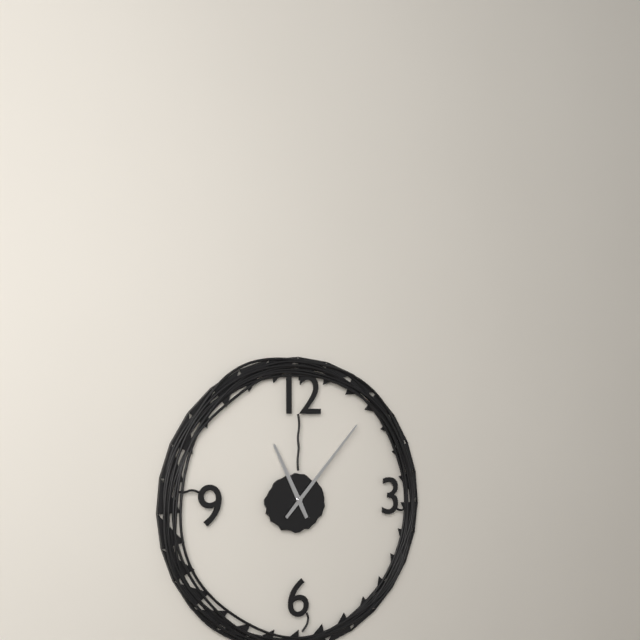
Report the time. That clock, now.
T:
11:07
